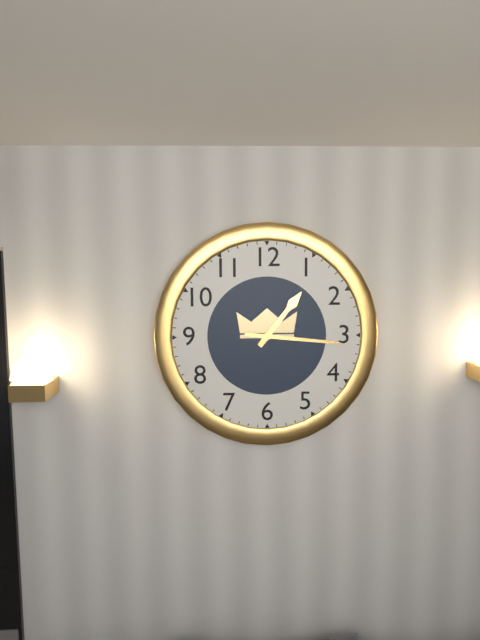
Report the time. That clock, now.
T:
1:16
